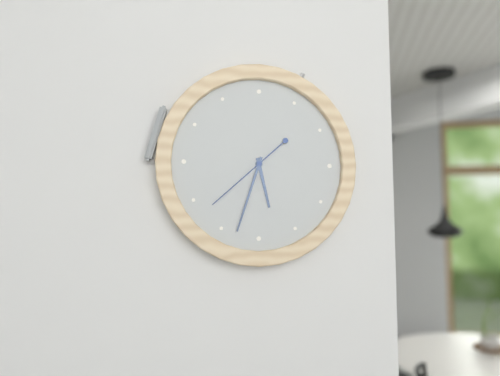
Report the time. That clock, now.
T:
5:33:38
